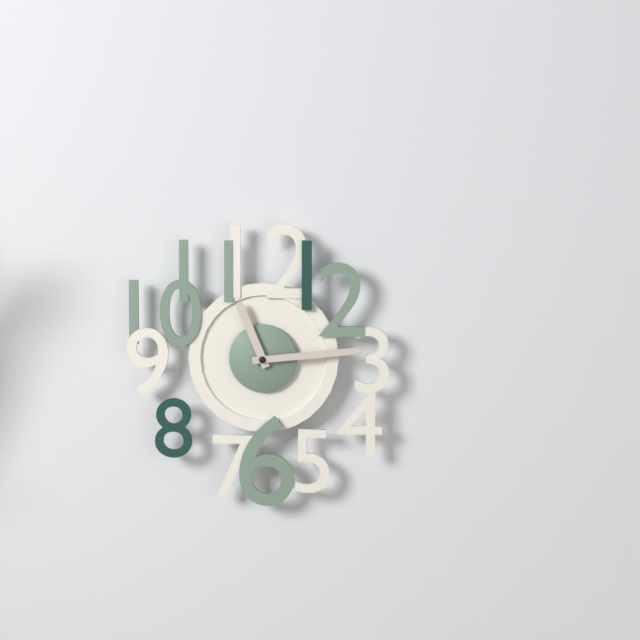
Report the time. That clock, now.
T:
11:14
